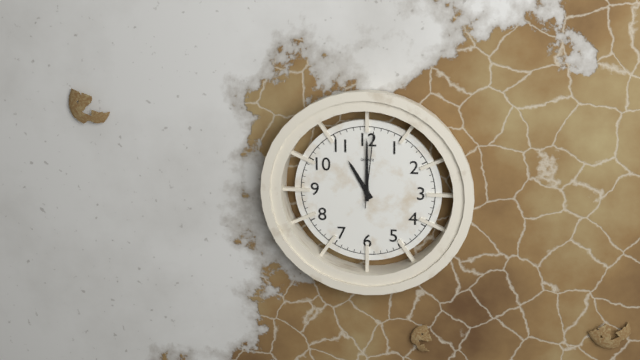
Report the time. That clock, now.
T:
11:00:01
